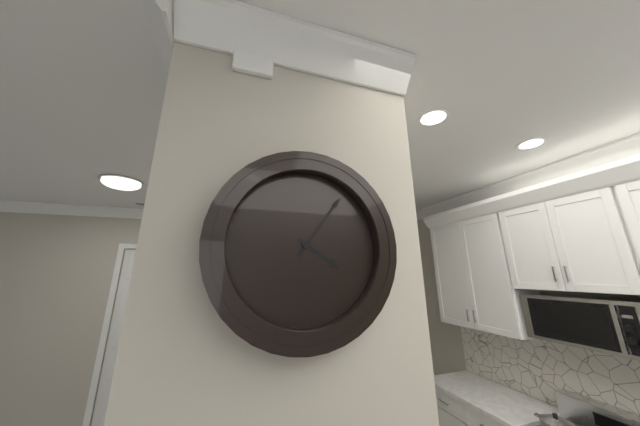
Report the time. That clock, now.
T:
4:06
